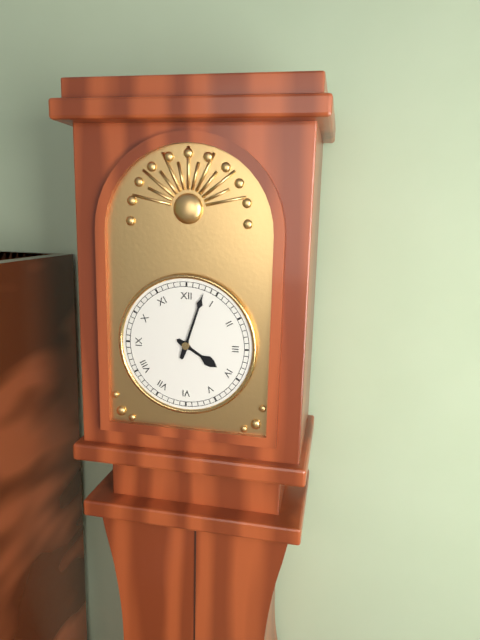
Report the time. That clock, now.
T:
4:03
